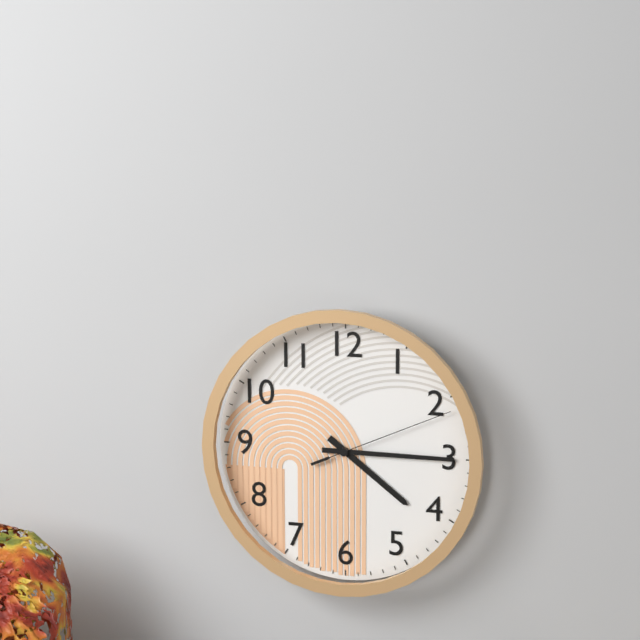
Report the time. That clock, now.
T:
4:15:11
